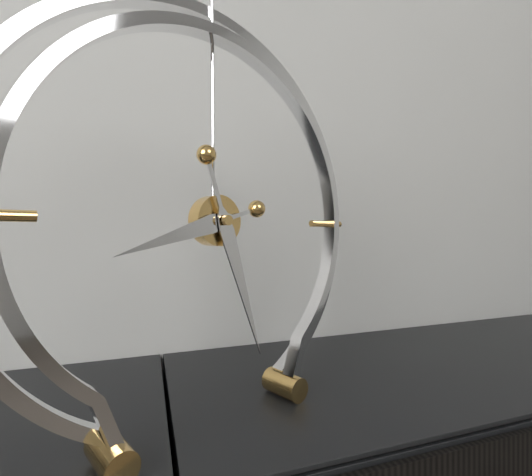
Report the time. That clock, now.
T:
8:27
